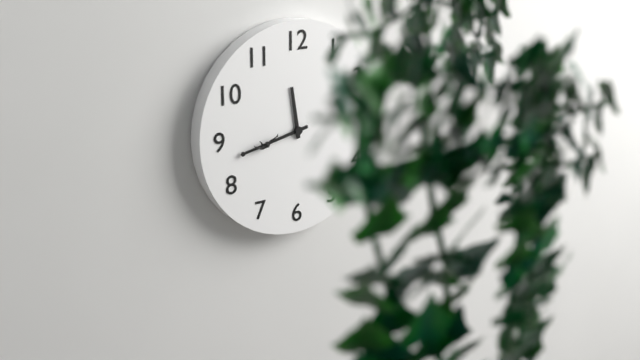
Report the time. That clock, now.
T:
11:43
